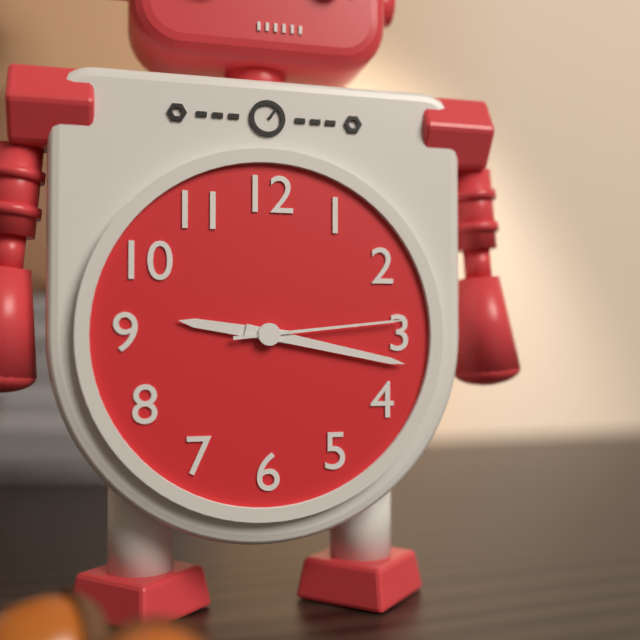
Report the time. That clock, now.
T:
9:17:14
